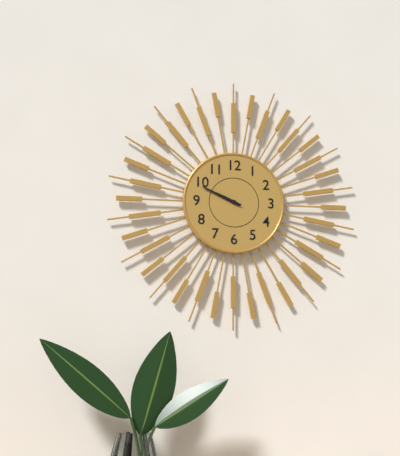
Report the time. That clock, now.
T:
9:49
